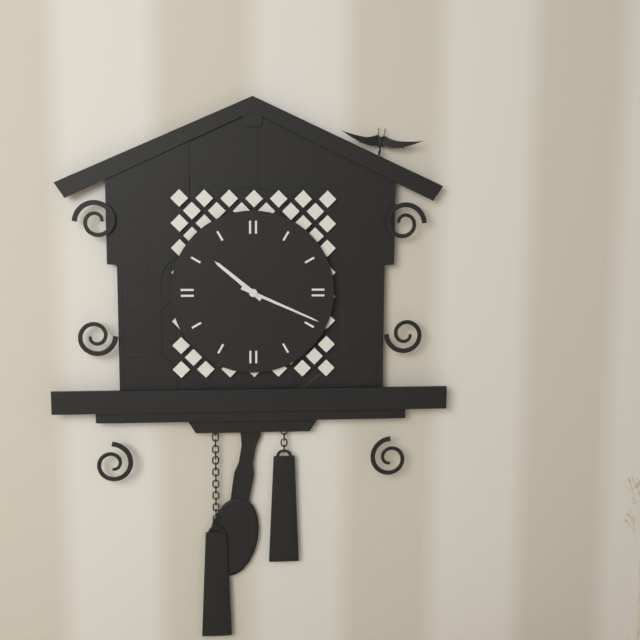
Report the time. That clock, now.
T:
10:19
